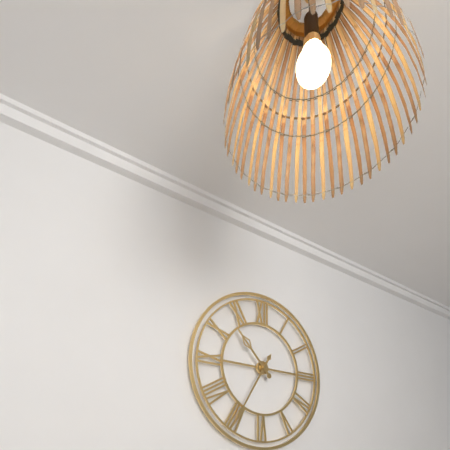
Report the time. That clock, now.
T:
10:35
